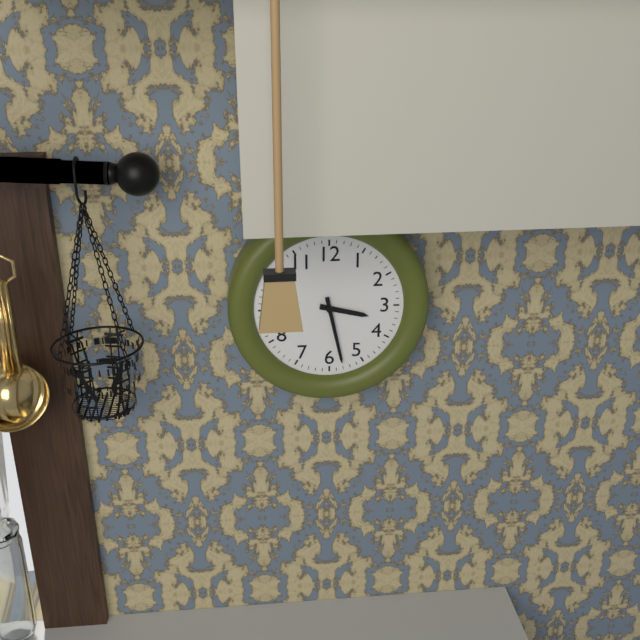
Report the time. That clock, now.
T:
3:28
